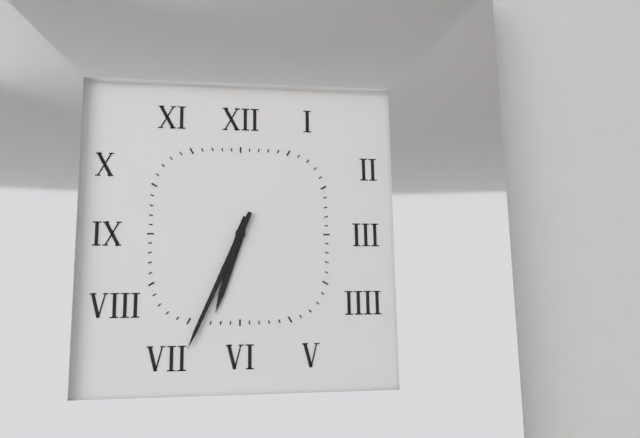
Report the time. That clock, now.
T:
6:34
